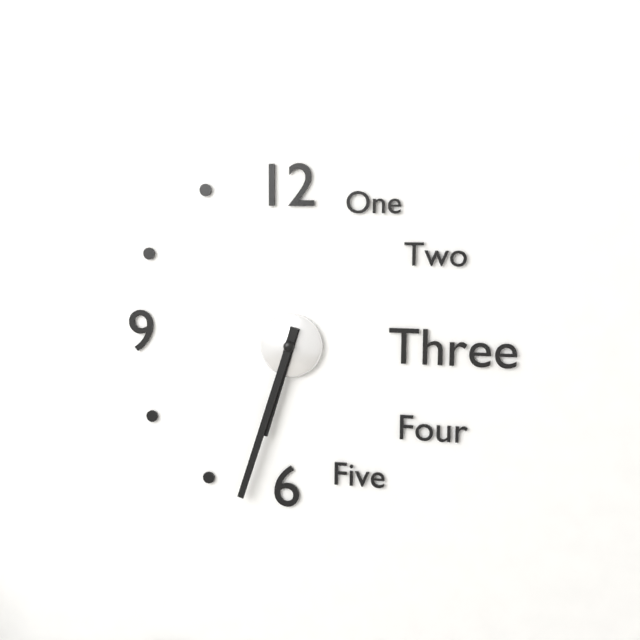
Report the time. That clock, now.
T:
6:33
